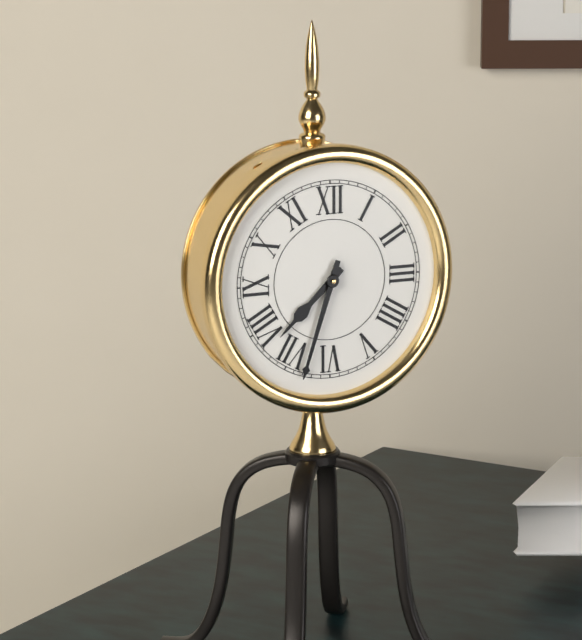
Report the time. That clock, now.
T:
7:33
